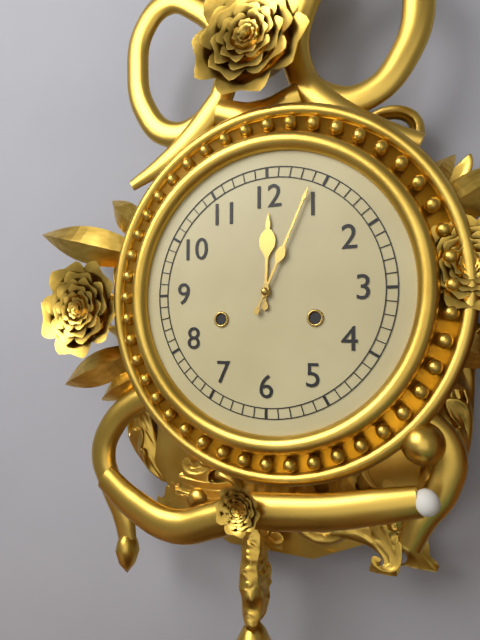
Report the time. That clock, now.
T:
12:04
